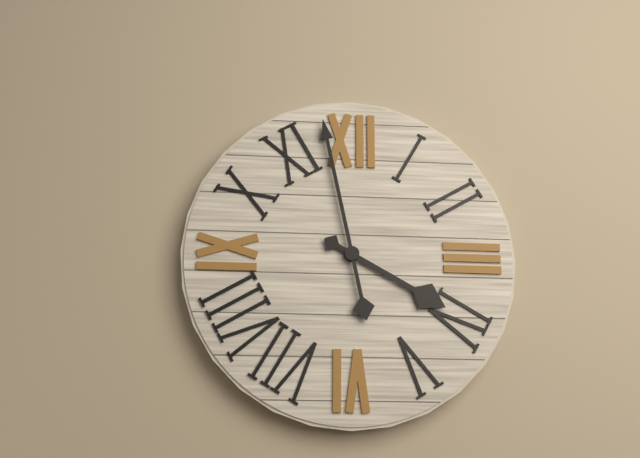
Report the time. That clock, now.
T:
3:58
